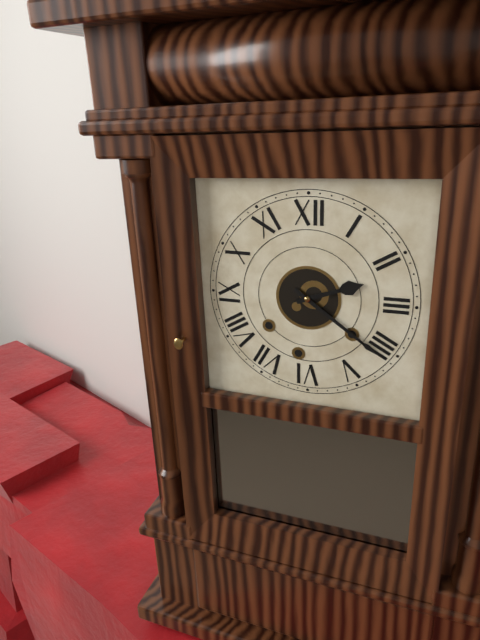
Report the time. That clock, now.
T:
2:21
